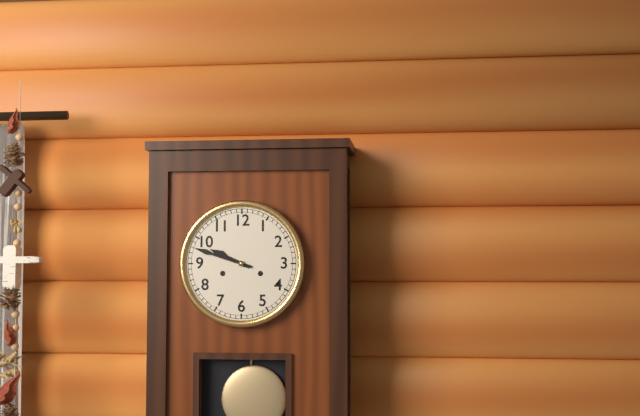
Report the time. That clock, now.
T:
9:48
